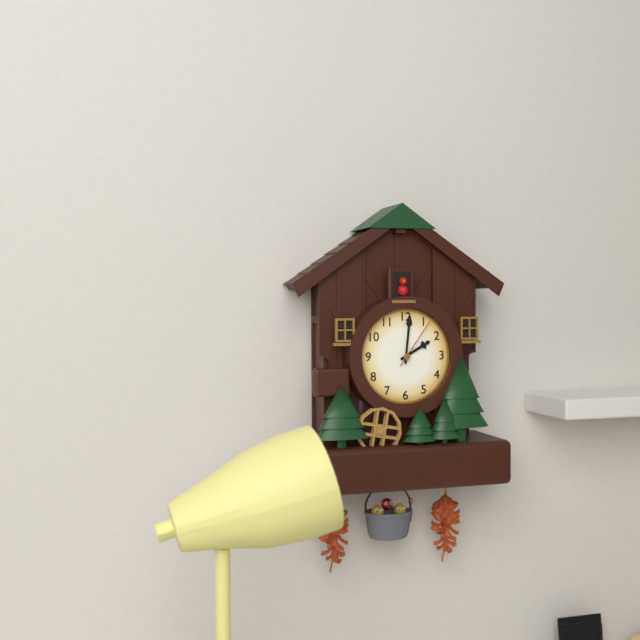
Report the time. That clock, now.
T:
2:01:06
